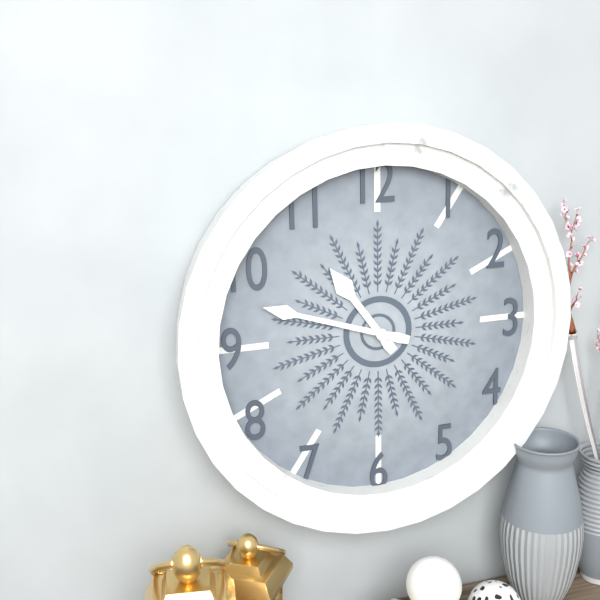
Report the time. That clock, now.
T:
10:48
